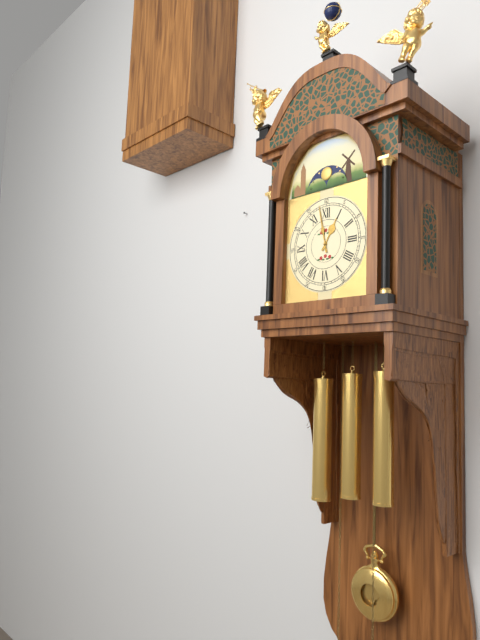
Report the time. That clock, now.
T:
12:58
